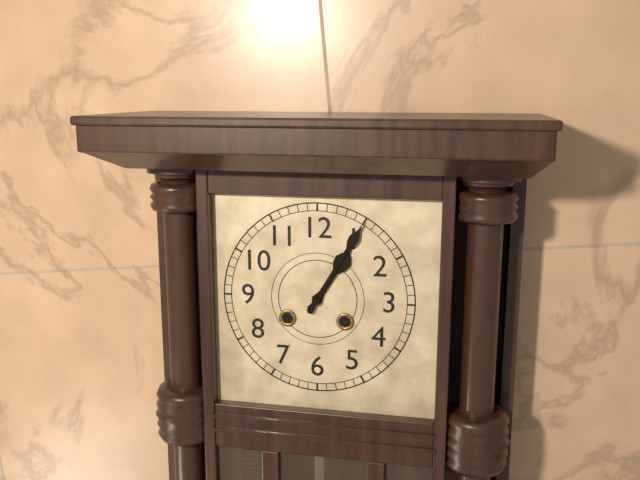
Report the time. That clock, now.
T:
1:05
